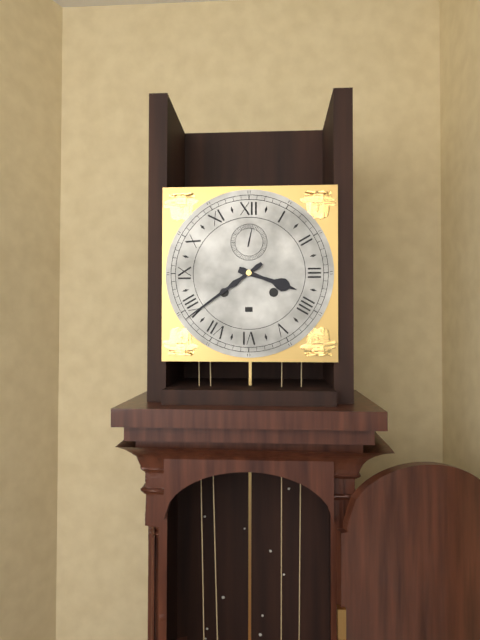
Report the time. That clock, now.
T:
3:39
